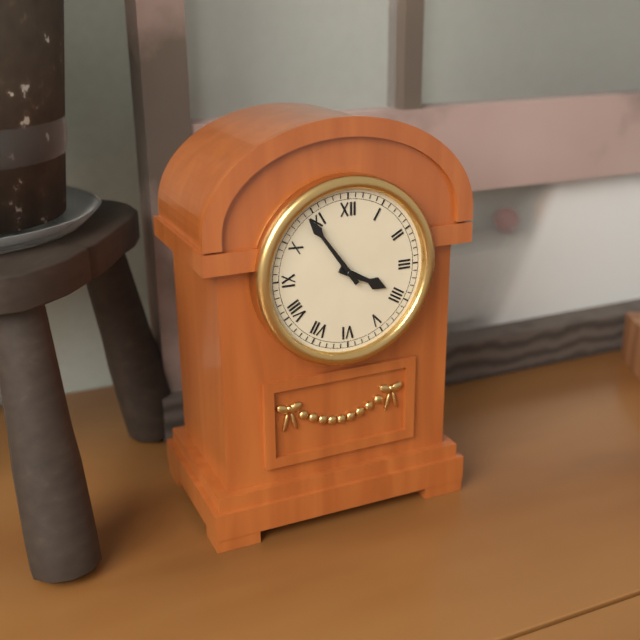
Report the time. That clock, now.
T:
3:54
